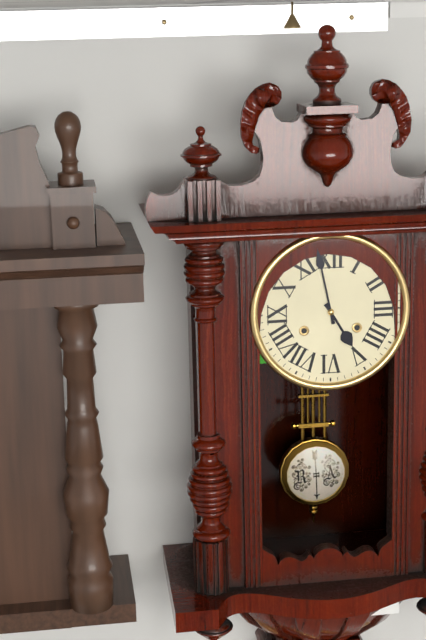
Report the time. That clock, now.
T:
4:58
